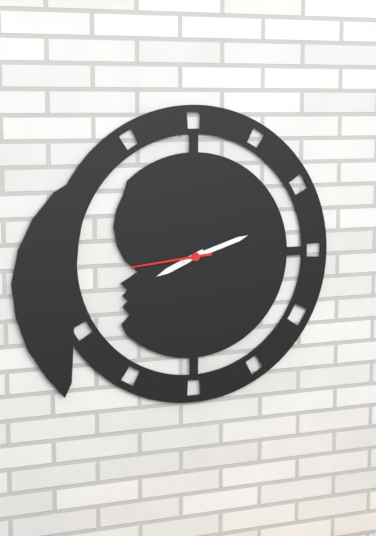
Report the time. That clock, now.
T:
8:12:44
